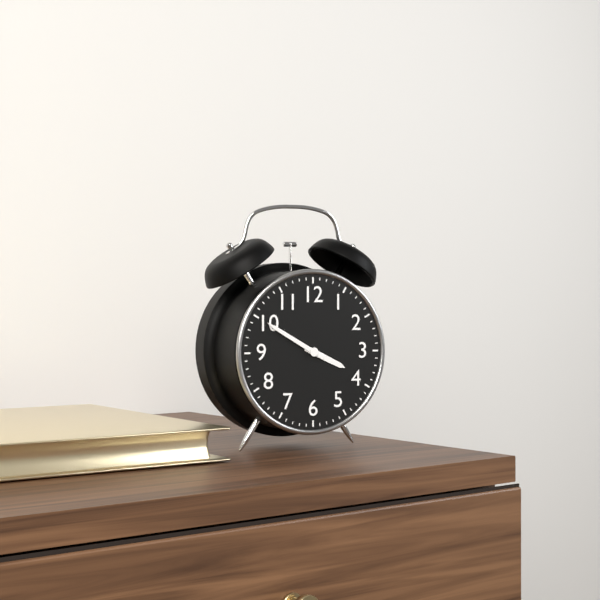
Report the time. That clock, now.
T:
3:50
